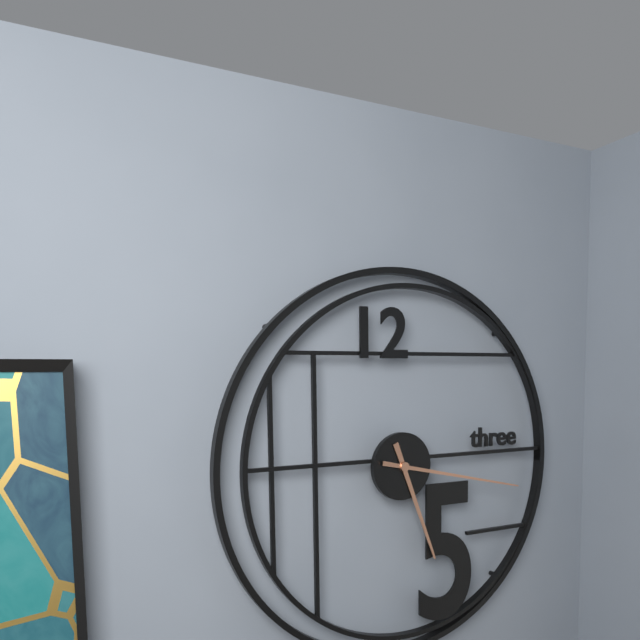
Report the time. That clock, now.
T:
5:17
